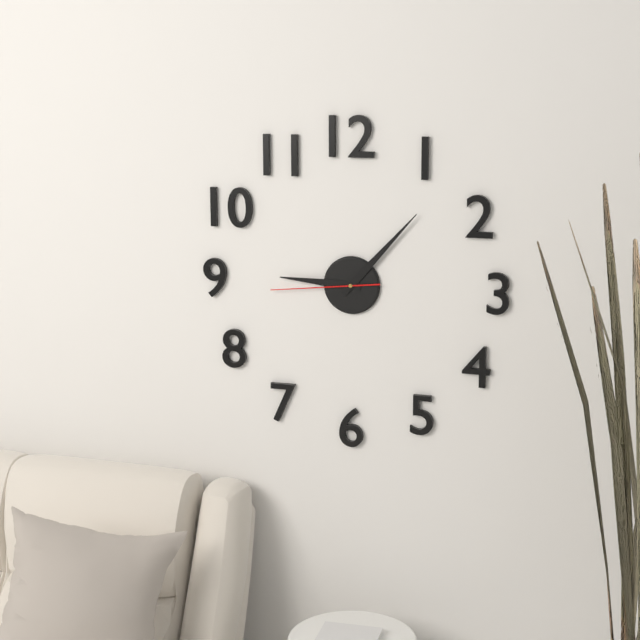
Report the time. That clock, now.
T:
9:07:44
